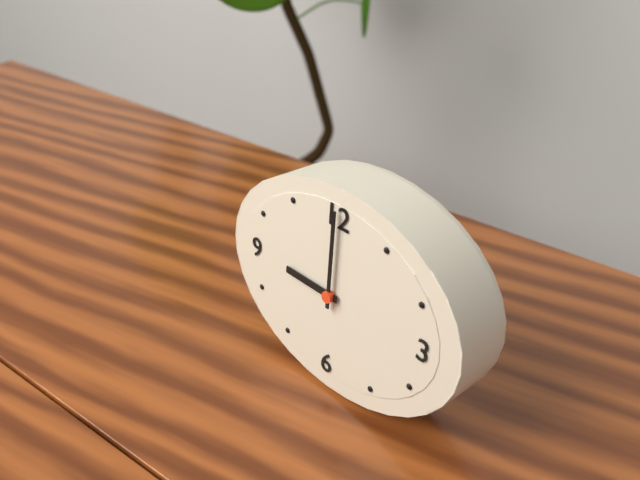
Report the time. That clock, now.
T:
9:00
